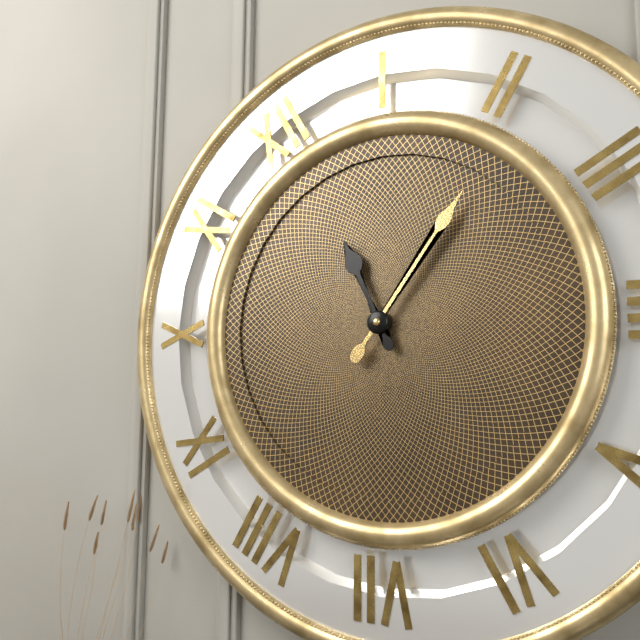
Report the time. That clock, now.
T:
12:11
